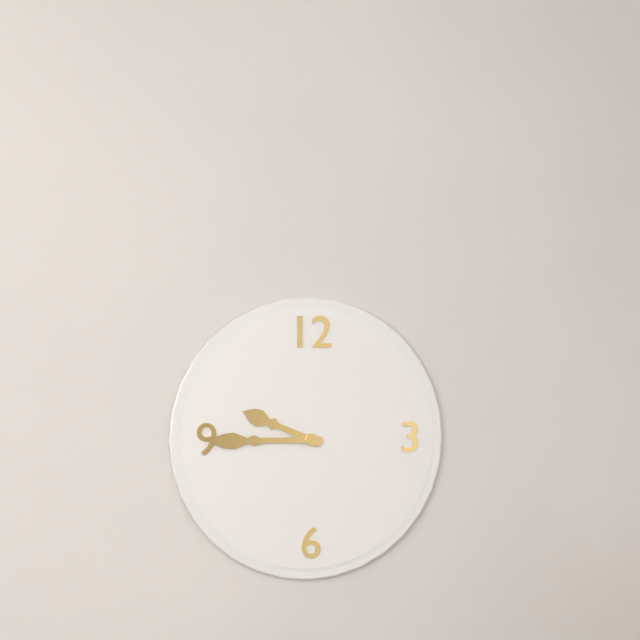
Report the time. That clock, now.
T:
9:45
